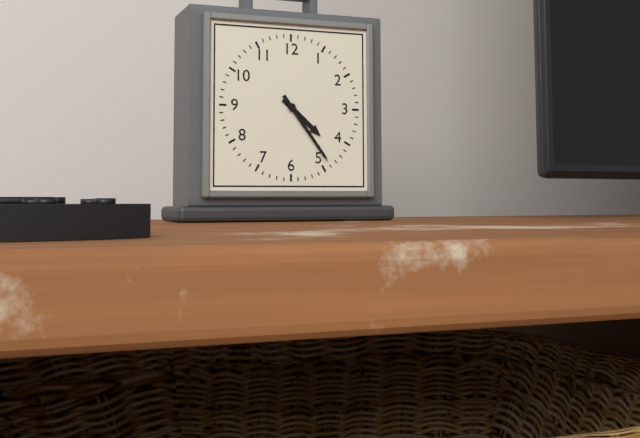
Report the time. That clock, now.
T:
4:24
